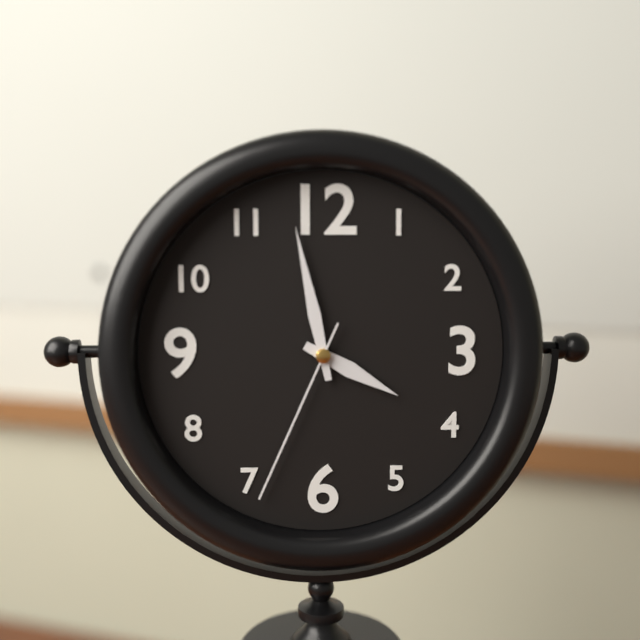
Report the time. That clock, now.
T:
3:58:34
